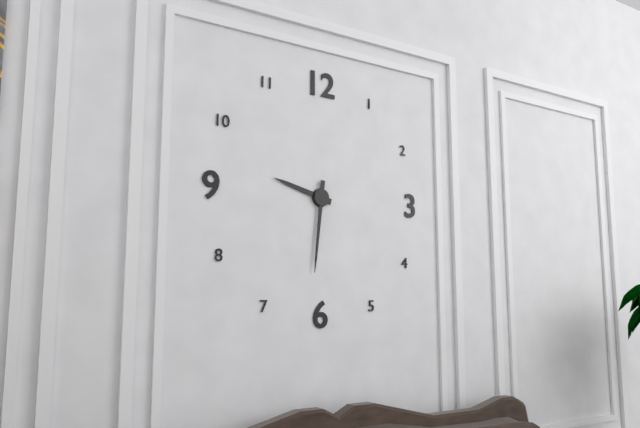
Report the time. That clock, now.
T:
9:31
